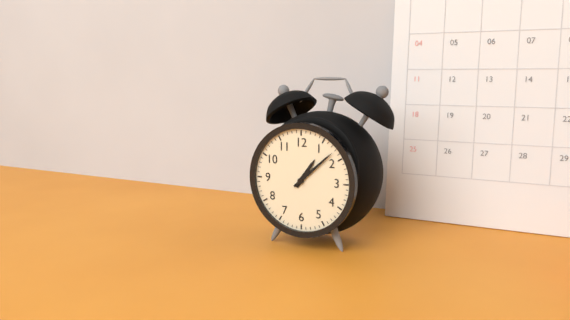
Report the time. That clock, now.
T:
1:08
